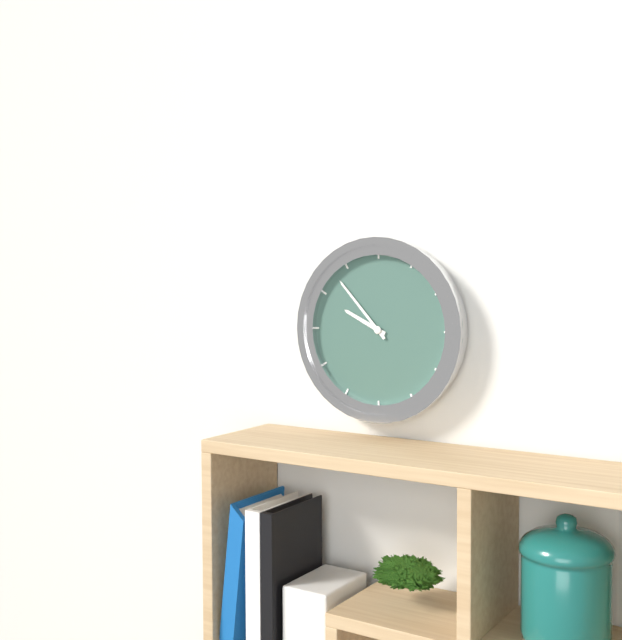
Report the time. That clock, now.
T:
9:53
